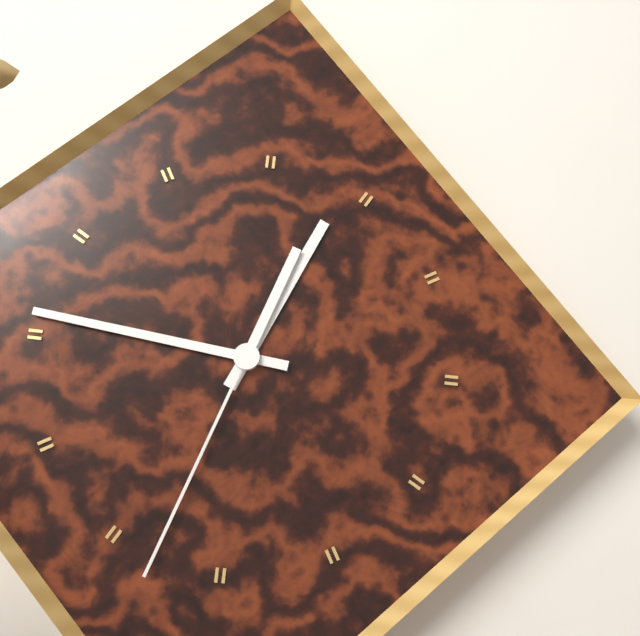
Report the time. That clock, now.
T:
12:46:33
